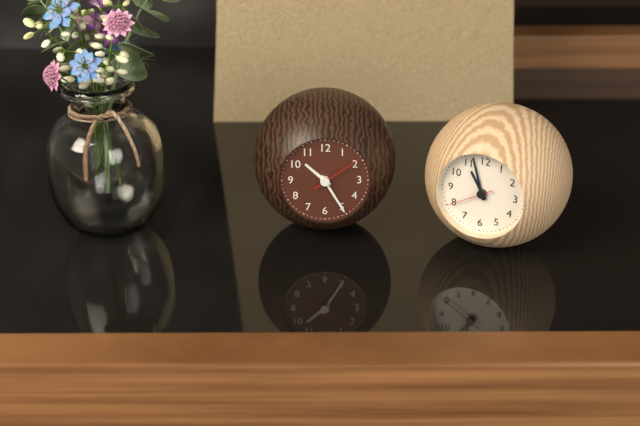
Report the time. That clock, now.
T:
10:25:09
